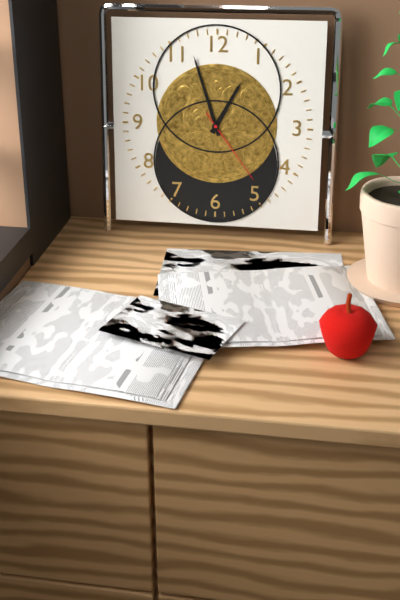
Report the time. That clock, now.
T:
12:57:24
